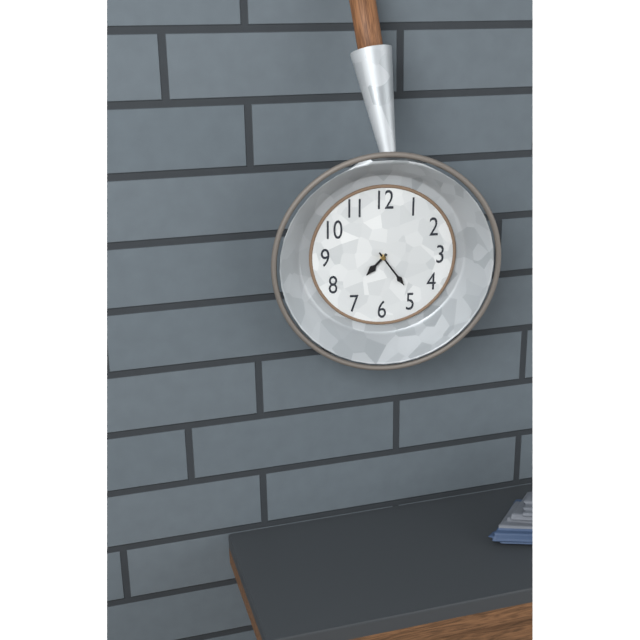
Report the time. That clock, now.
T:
7:24
